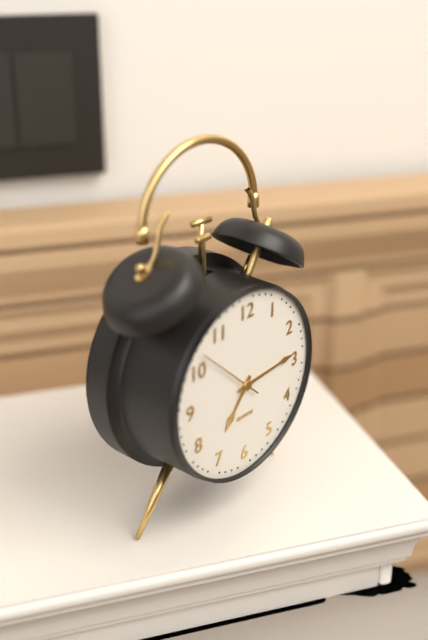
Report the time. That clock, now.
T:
7:14
